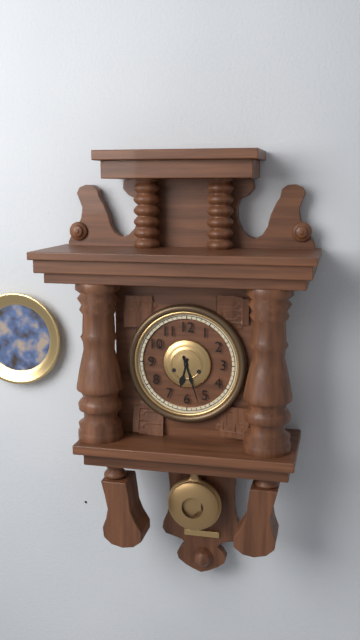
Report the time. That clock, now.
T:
6:27
